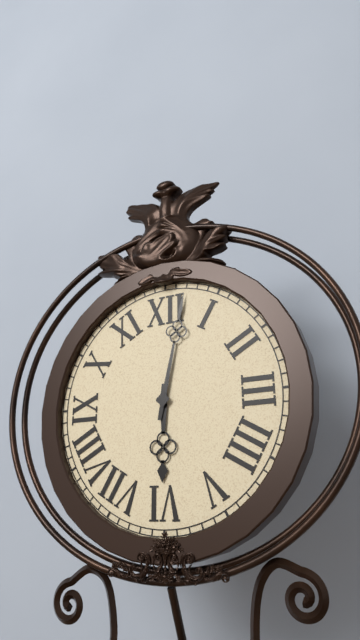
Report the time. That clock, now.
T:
6:02
